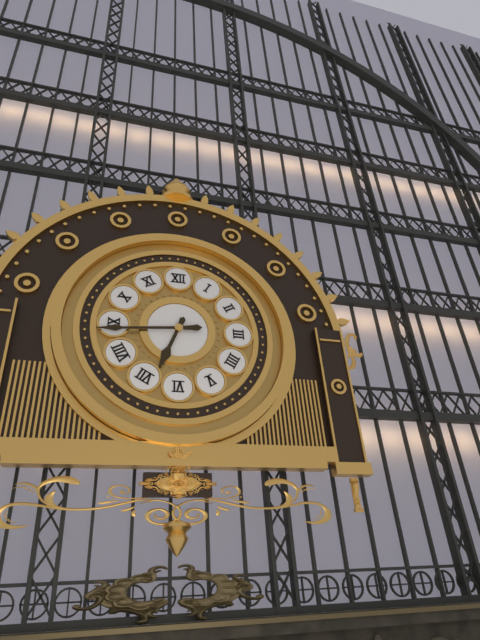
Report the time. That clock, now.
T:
6:44
